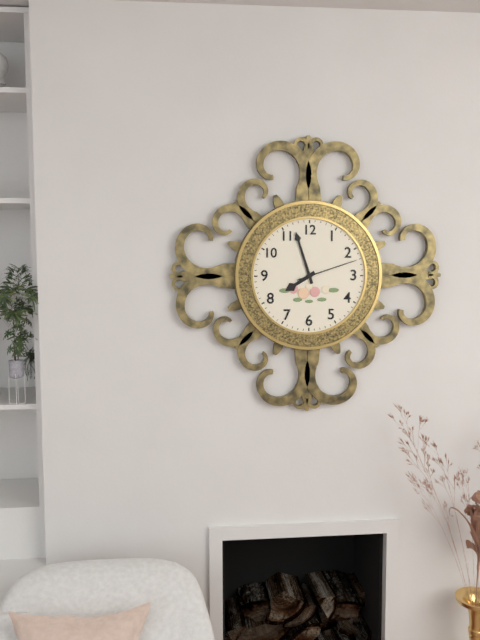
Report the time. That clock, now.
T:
7:57:12
